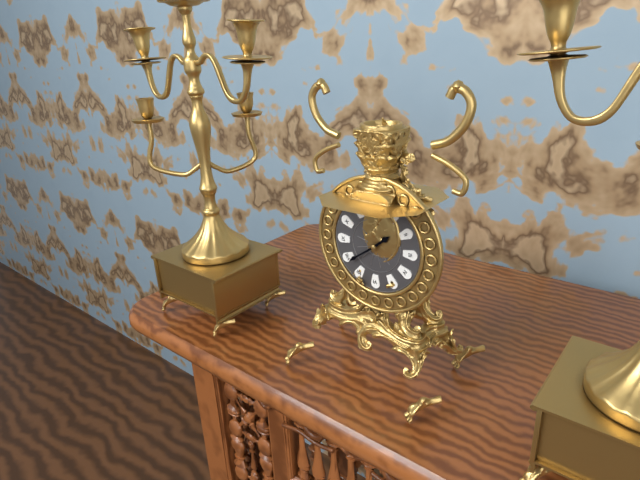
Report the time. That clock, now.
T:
1:39
